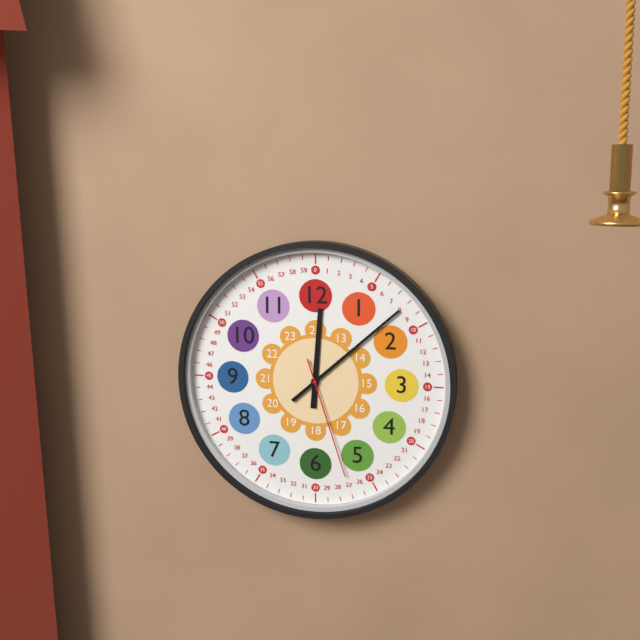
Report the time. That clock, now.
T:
12:08:27
